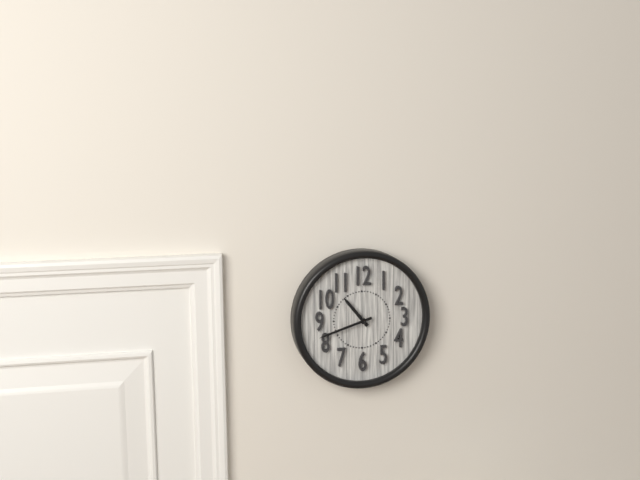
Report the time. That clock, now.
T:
10:42
